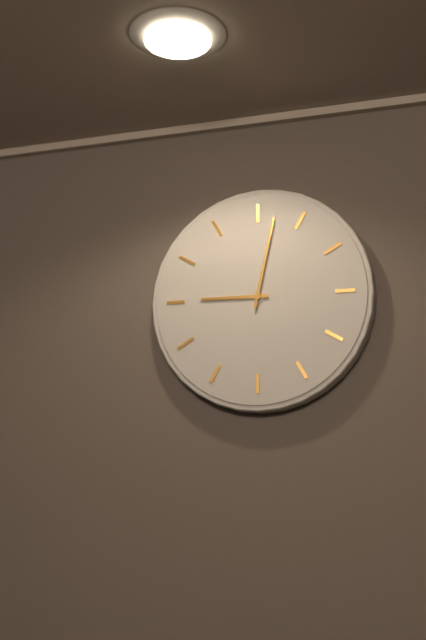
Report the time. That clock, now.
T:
9:02
